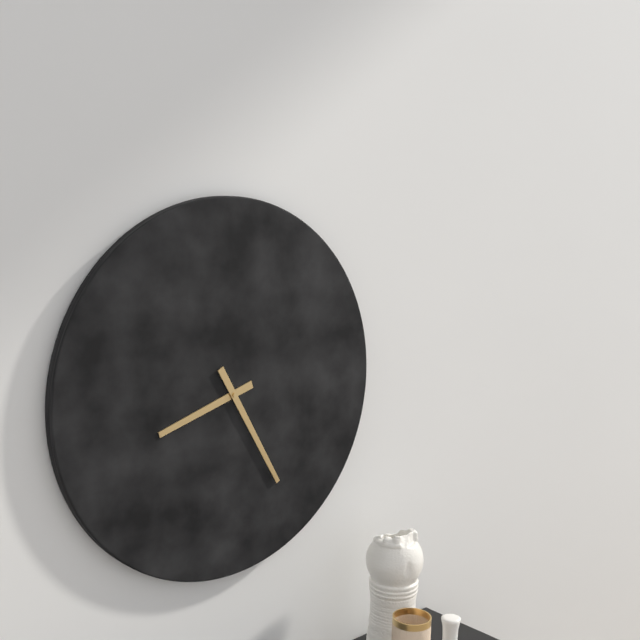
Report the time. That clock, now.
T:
8:25
